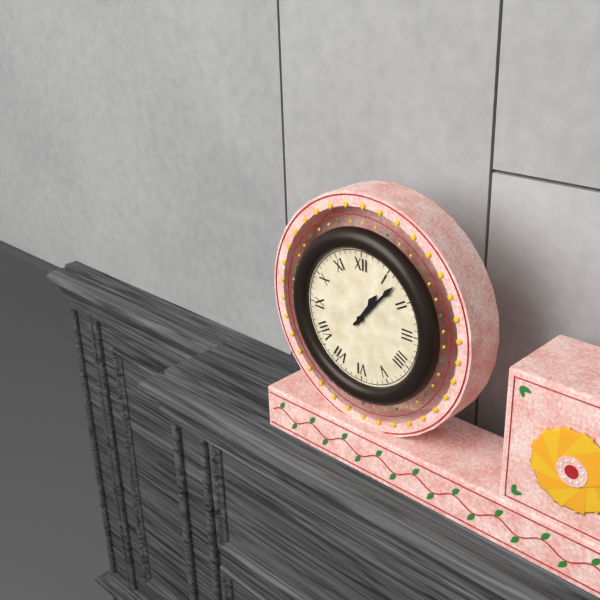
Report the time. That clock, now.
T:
1:07
